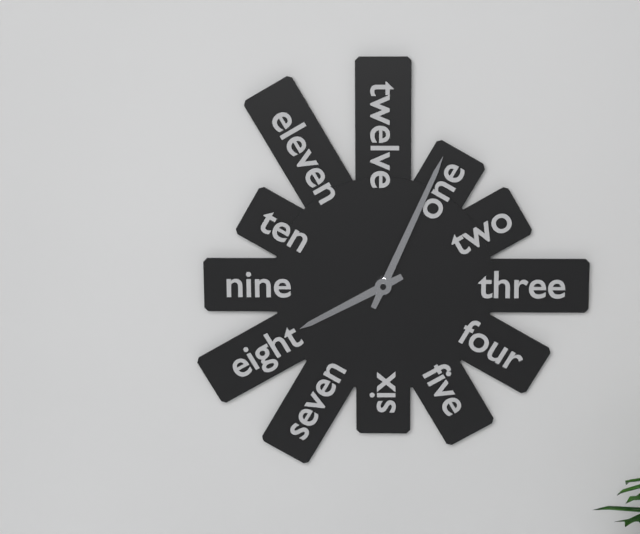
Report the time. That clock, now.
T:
8:04
